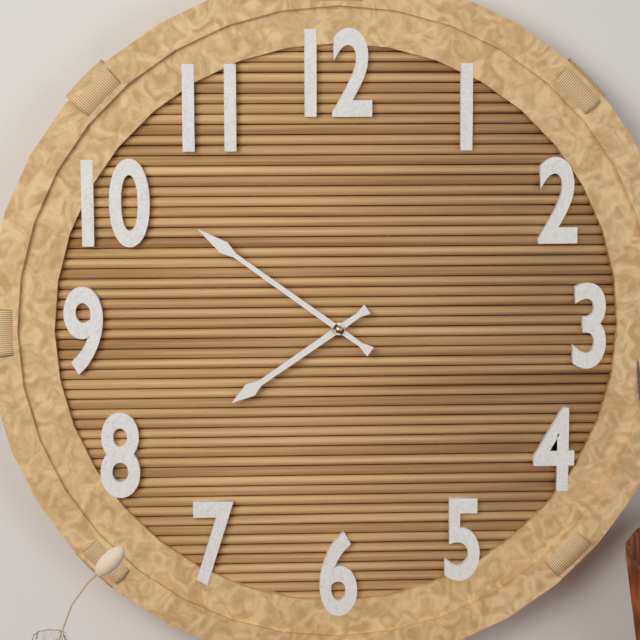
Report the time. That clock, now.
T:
7:51
